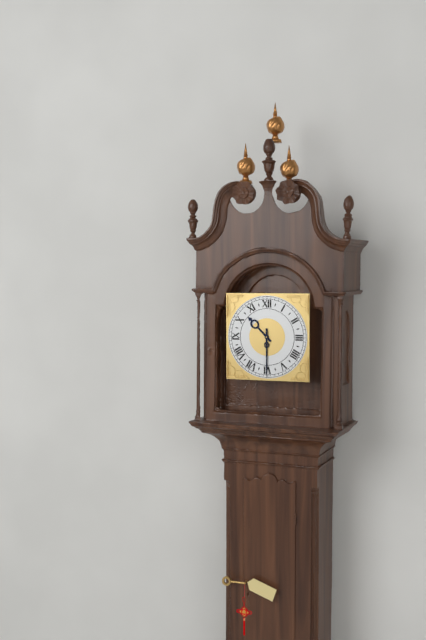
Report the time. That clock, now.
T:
10:30
